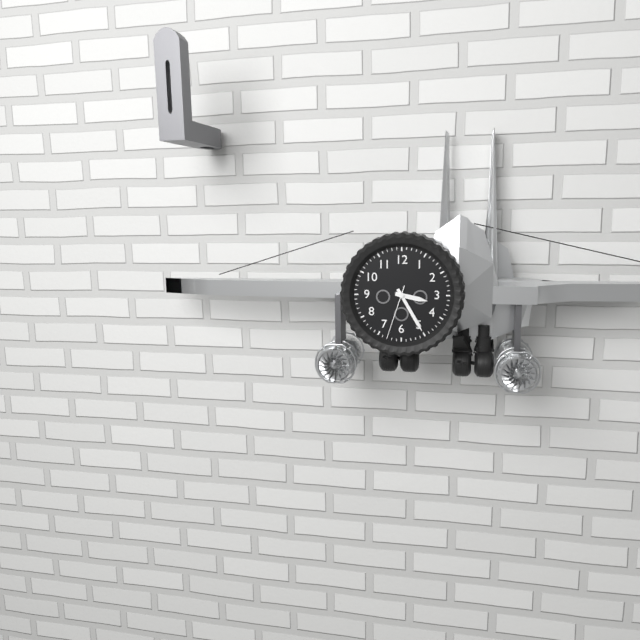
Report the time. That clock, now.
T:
3:25:33
